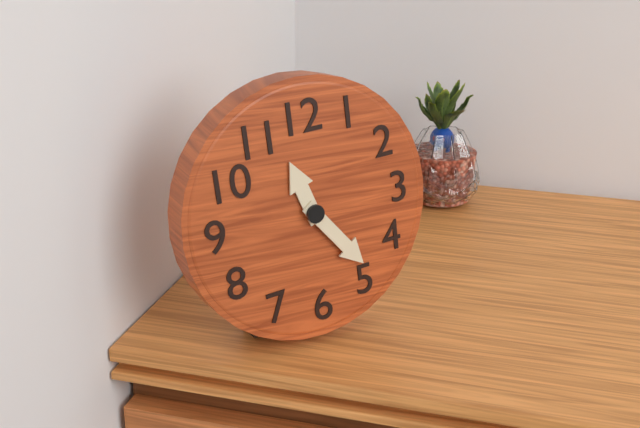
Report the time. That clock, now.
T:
11:24
